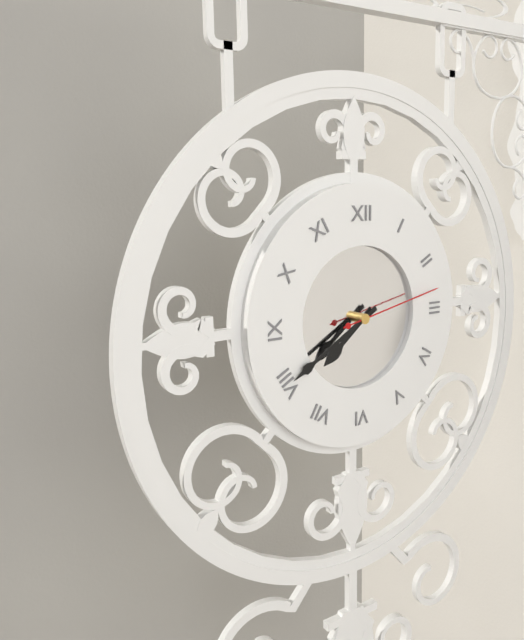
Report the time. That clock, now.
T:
7:40:13
